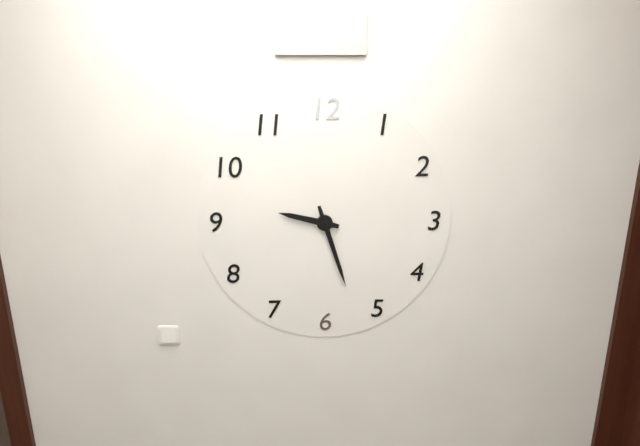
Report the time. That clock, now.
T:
9:27
